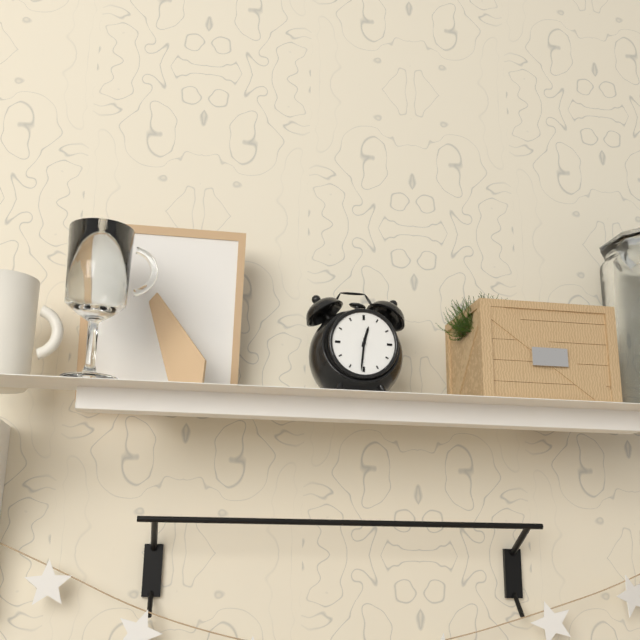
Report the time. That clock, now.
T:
12:31
